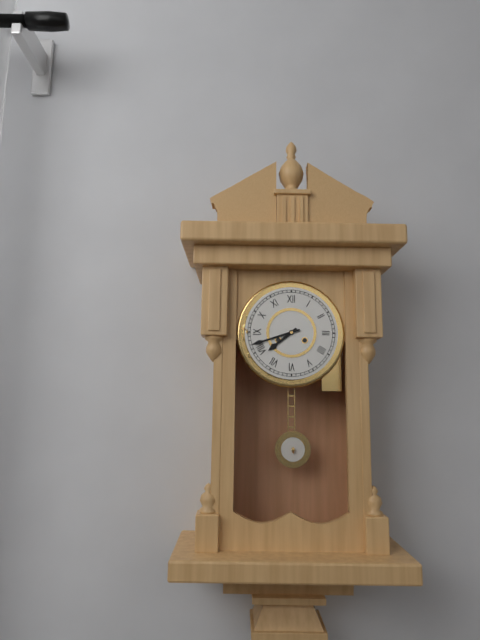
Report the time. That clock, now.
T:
7:42
